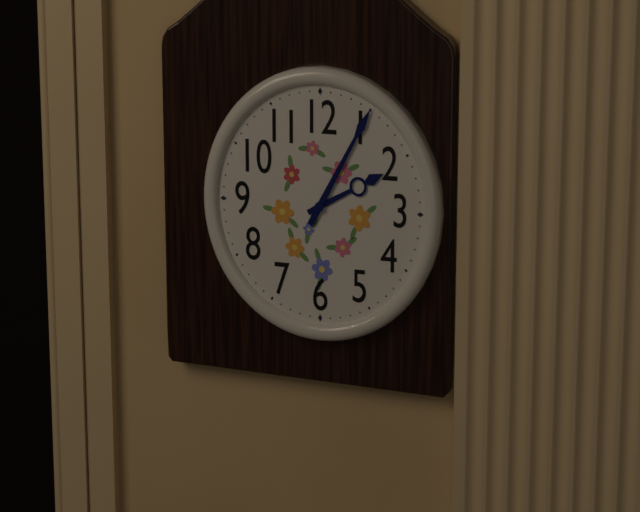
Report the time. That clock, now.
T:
2:05
